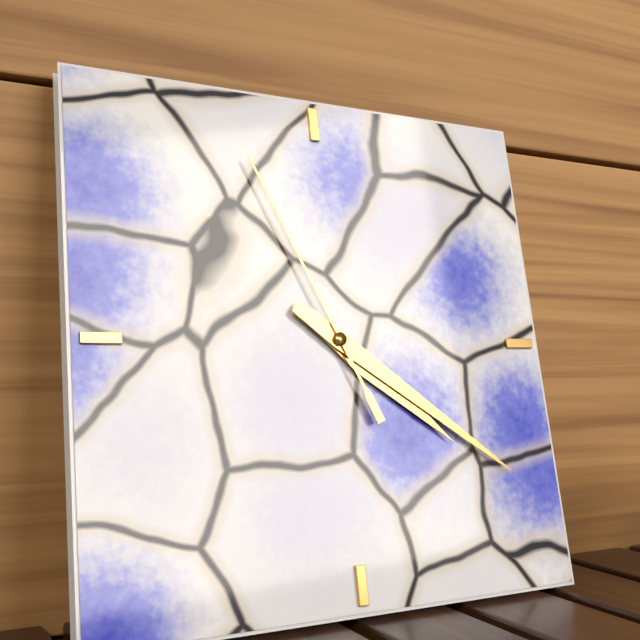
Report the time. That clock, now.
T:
4:21:56
